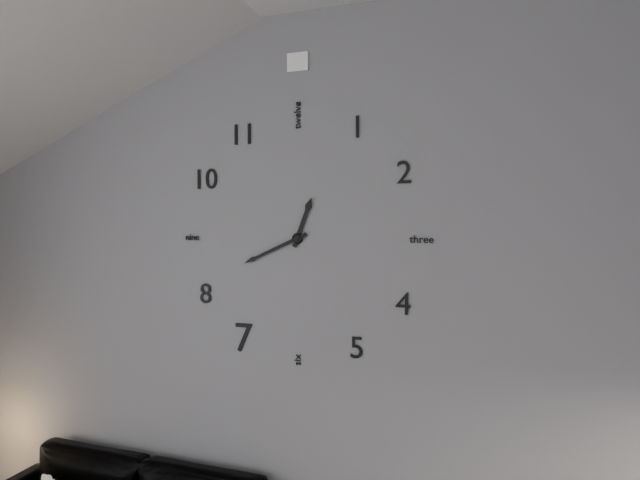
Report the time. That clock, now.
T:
12:41
